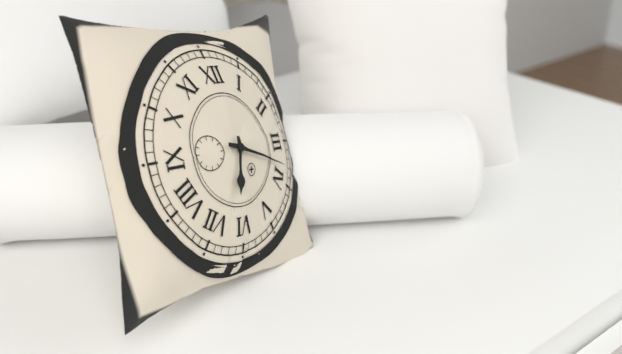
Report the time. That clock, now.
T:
6:18
